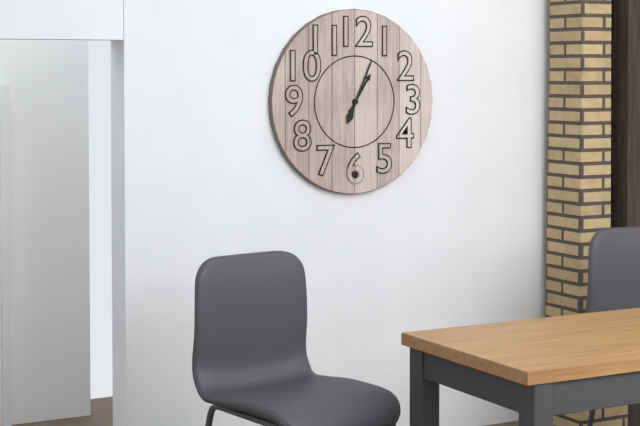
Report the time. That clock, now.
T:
1:04
